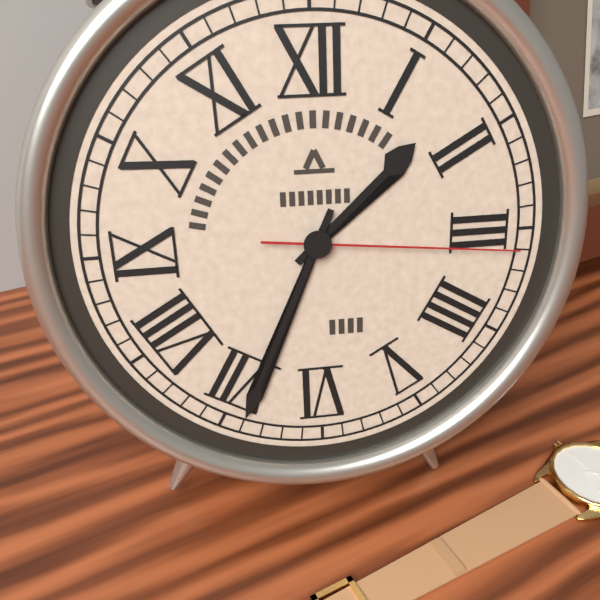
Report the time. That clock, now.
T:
1:34:16
